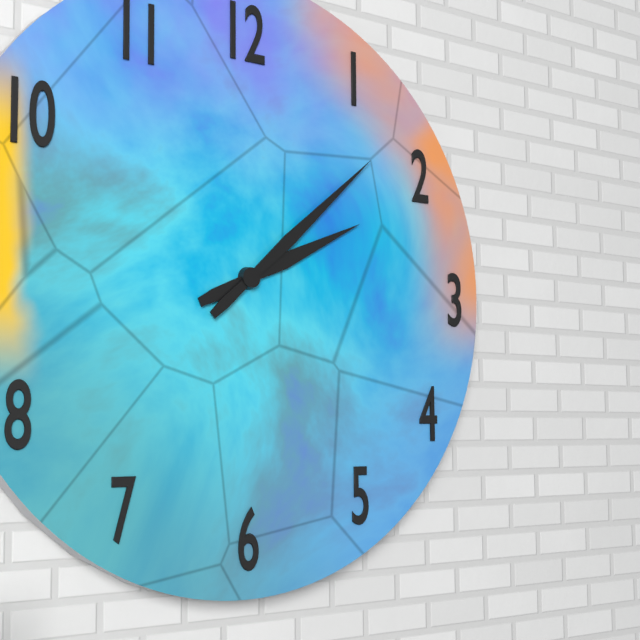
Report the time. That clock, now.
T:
2:08
